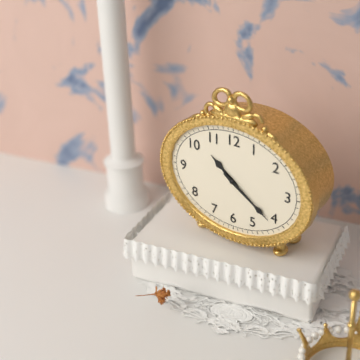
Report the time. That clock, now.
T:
10:21
